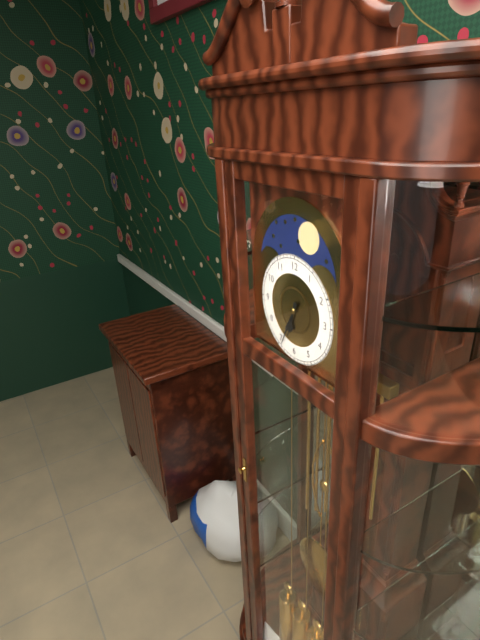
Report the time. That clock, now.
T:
6:34
